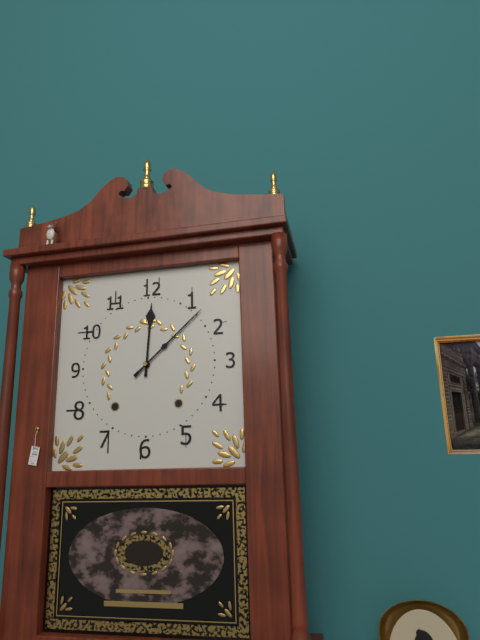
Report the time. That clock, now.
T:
12:08
